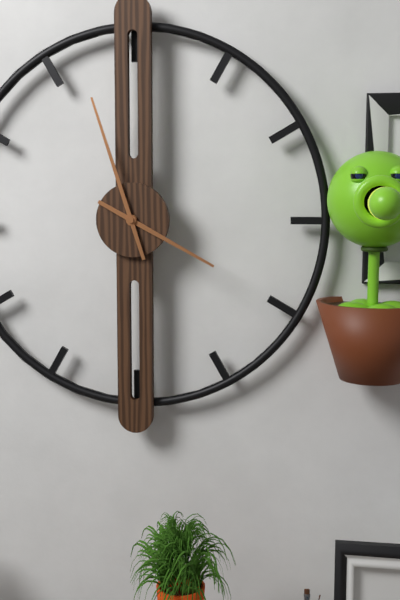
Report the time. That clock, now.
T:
3:57
